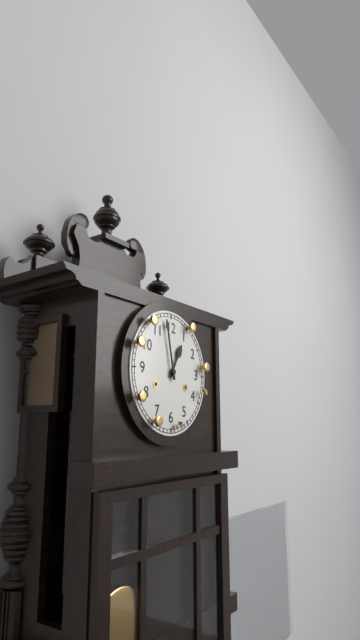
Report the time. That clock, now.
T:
12:58
